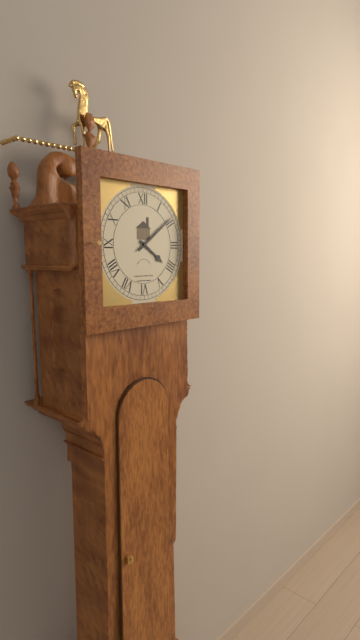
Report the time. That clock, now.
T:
4:09
